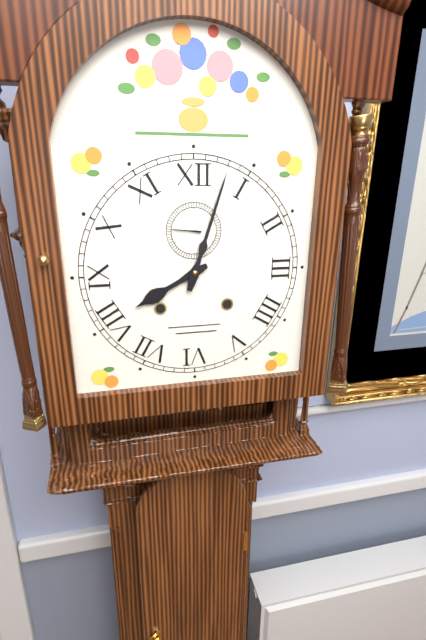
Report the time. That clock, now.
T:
8:03
